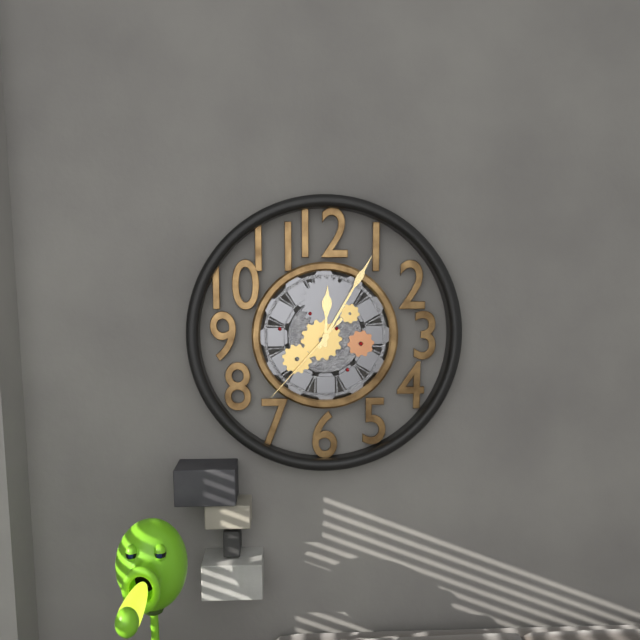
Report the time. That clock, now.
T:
12:05:37
